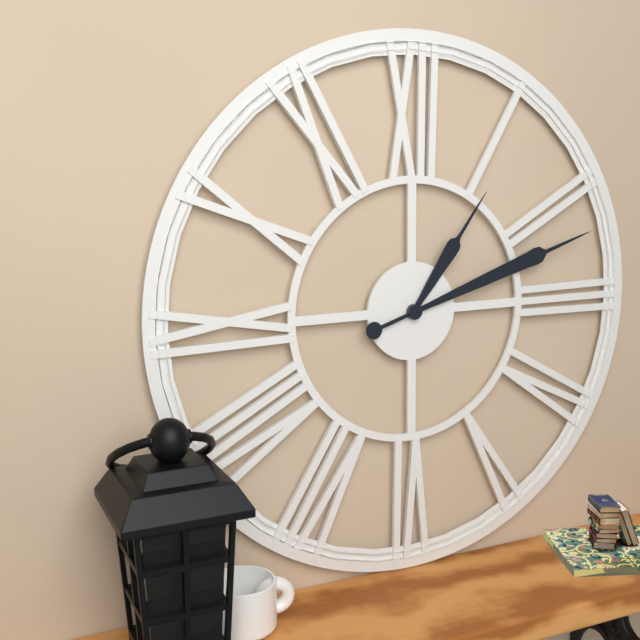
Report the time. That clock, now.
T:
1:12
